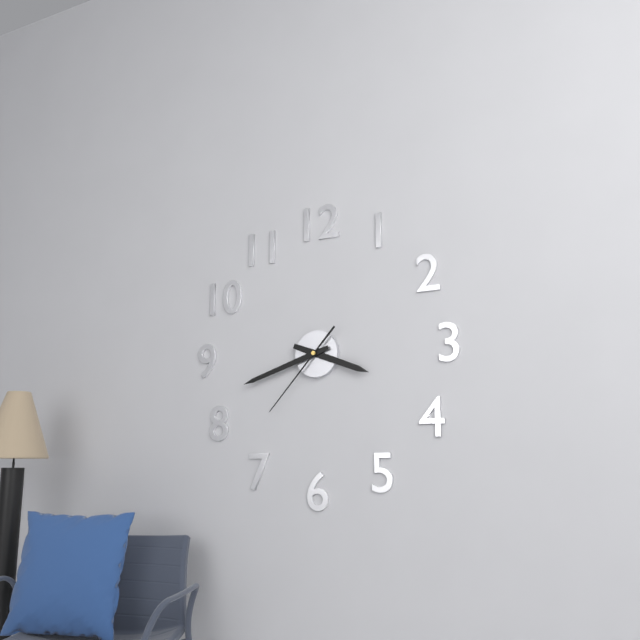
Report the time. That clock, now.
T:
3:42:37
